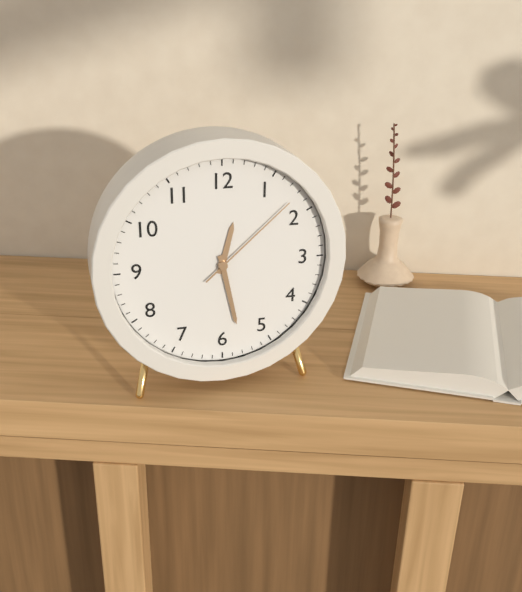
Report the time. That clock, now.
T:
12:28:08
